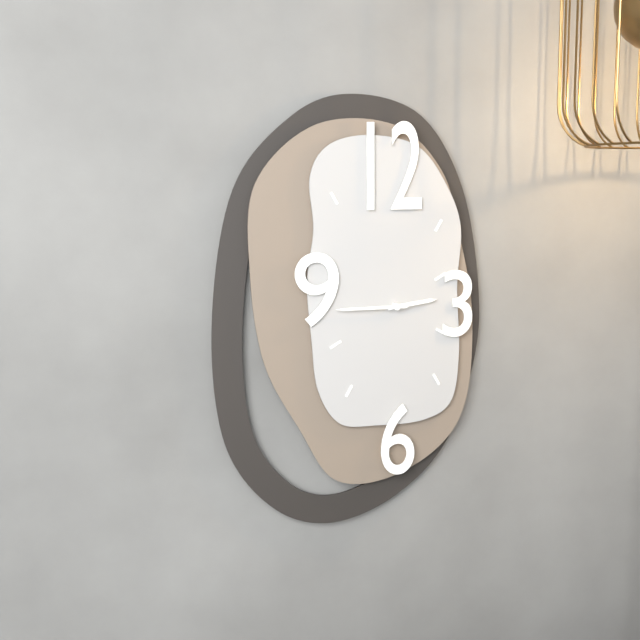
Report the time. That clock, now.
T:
2:45
